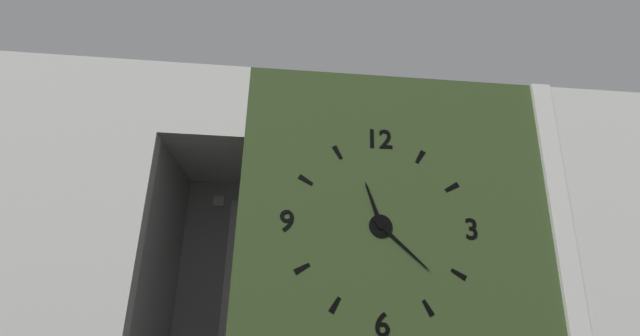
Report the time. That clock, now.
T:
11:22
